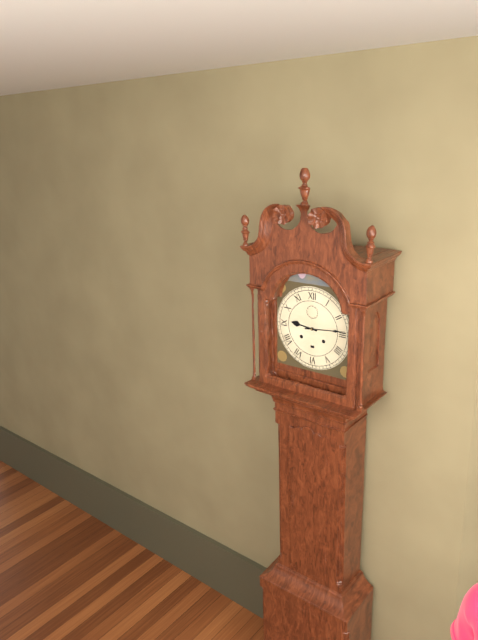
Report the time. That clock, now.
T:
9:14
